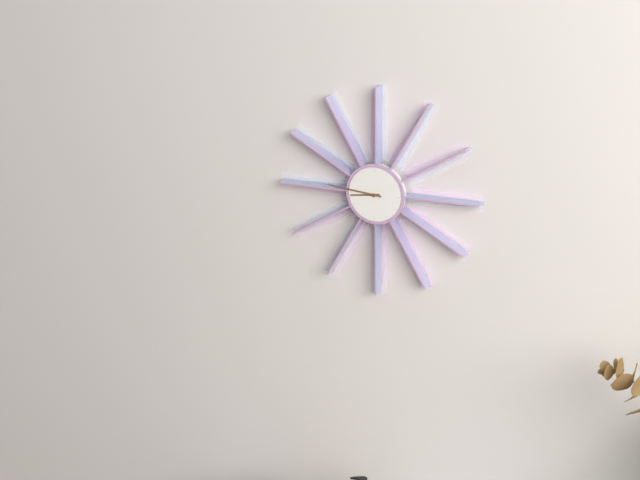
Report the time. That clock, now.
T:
8:46
